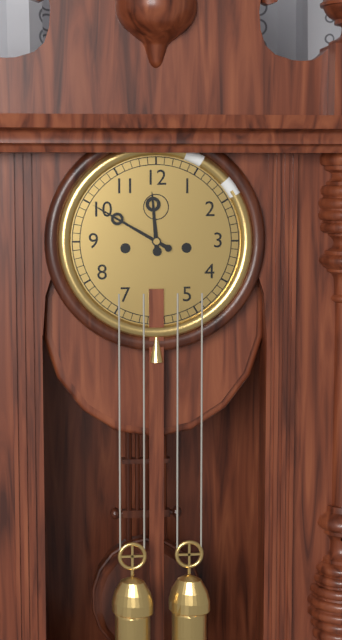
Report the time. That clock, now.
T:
11:50
